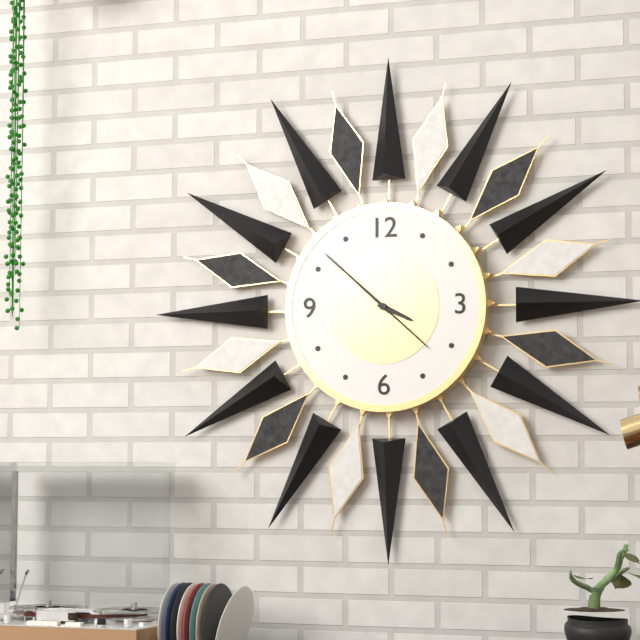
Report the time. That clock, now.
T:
3:52:22
